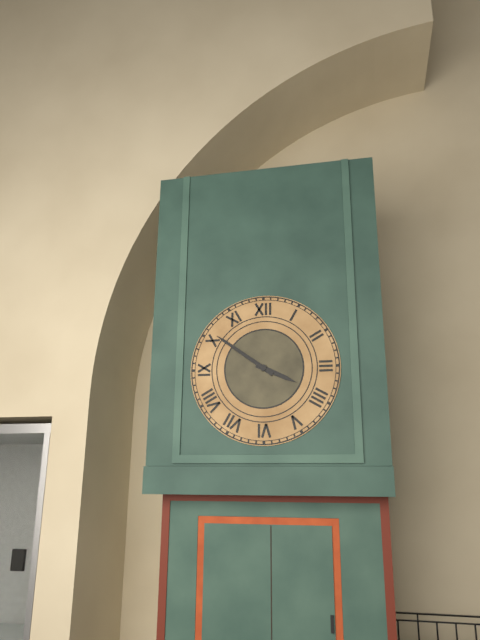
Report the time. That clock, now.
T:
3:51
